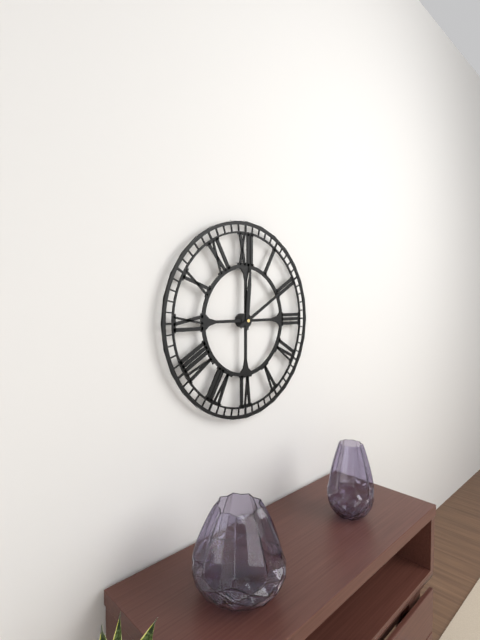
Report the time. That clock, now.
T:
12:10
